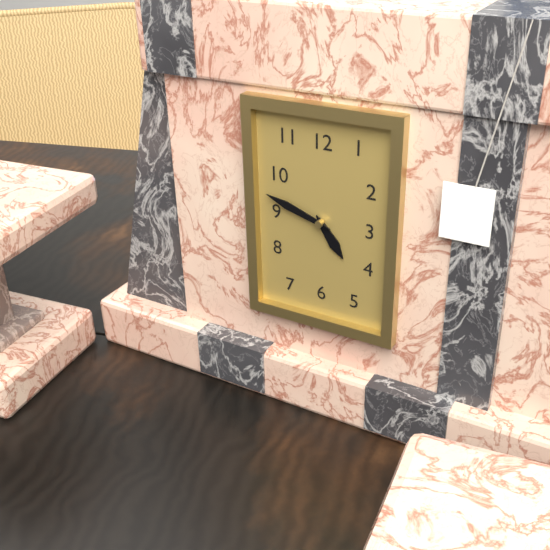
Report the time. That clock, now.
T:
4:48
